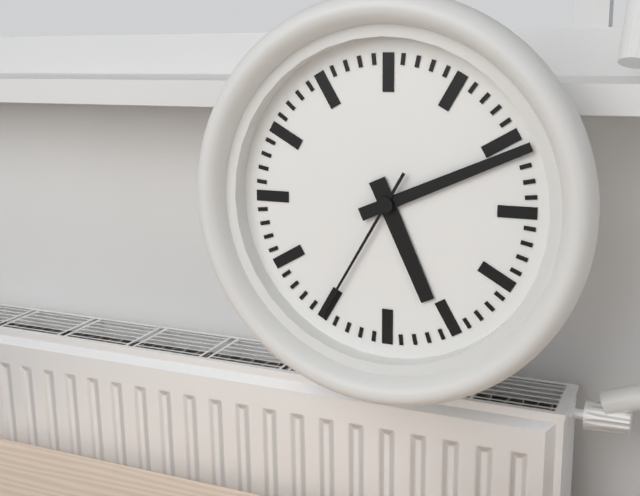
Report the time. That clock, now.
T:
5:11:35
